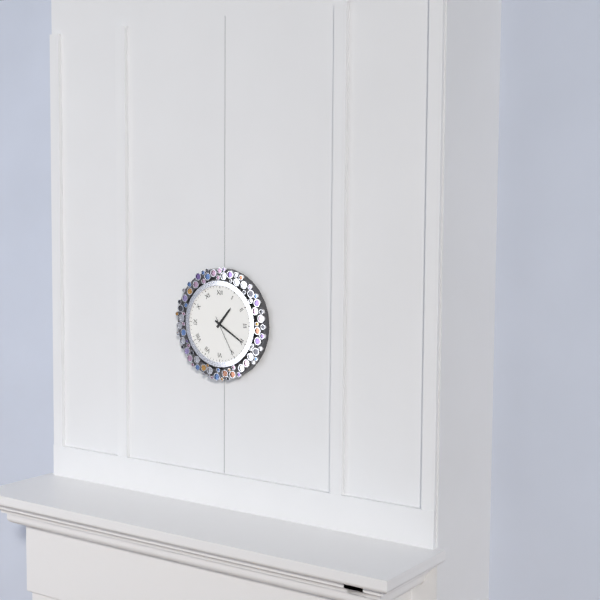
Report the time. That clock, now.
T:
1:20
